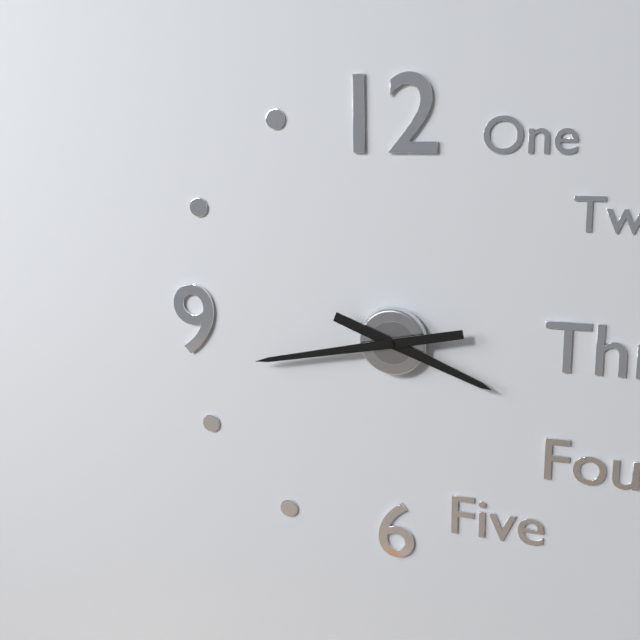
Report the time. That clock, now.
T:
3:43
